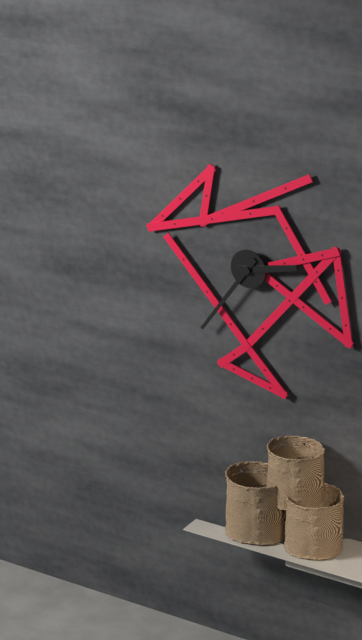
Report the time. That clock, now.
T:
2:36
